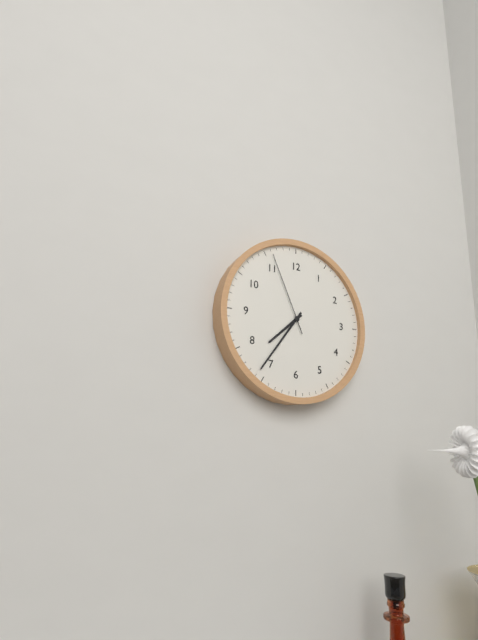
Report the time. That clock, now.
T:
7:36:56
